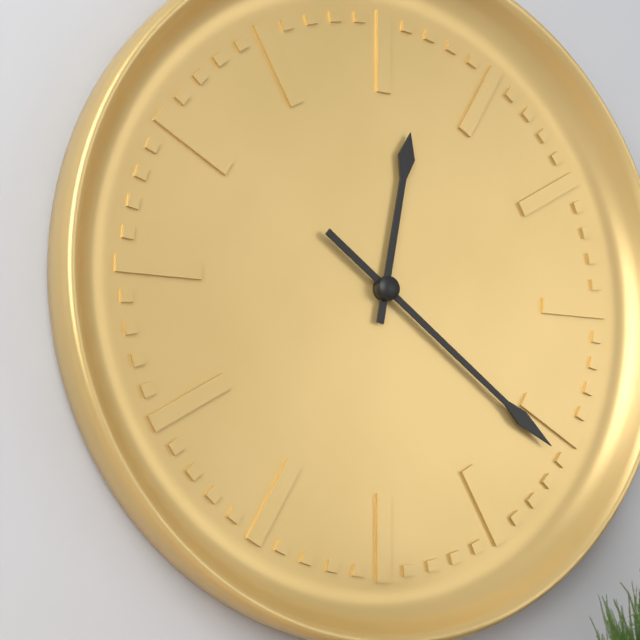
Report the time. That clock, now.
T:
12:21
